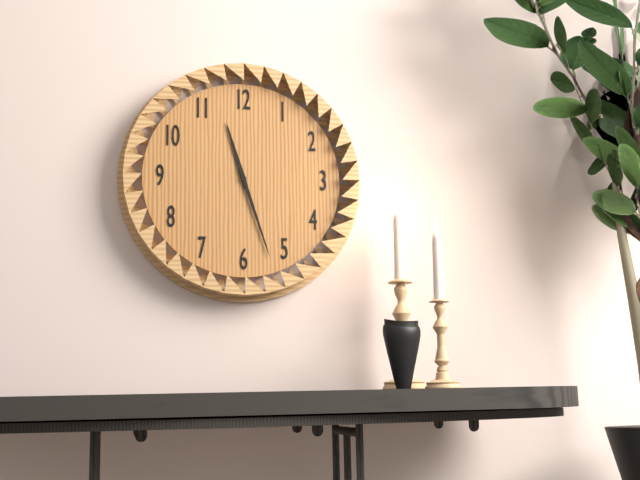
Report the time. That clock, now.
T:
11:27
